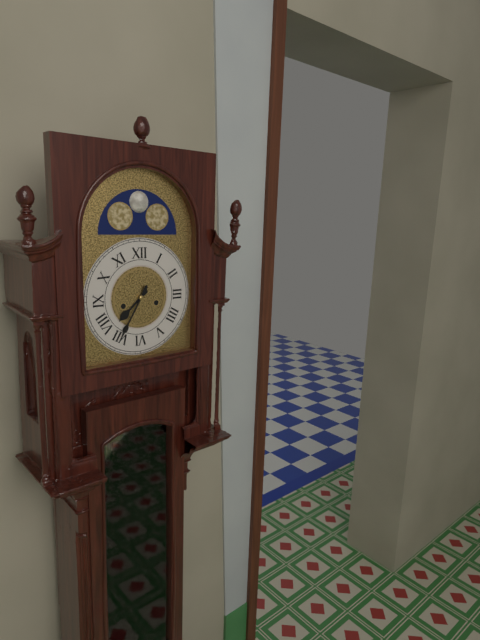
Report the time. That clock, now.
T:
7:35
